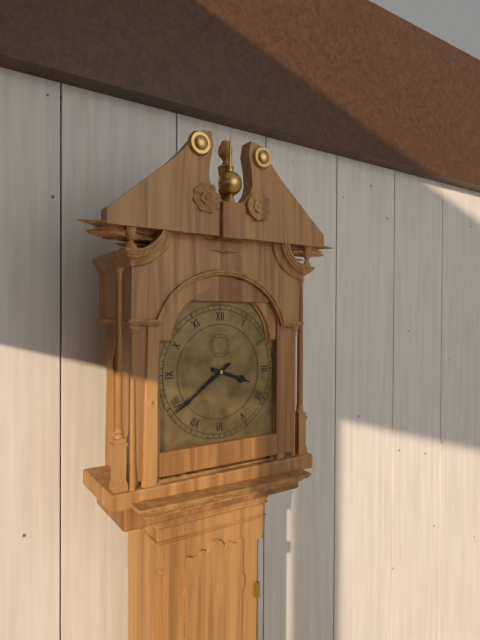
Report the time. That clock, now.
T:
3:39
